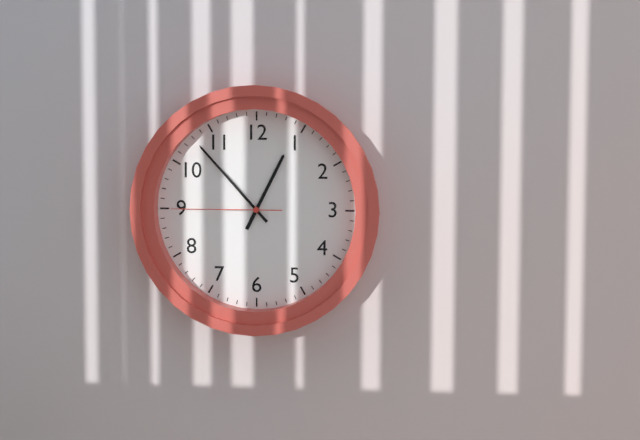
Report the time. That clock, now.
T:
12:53:45
